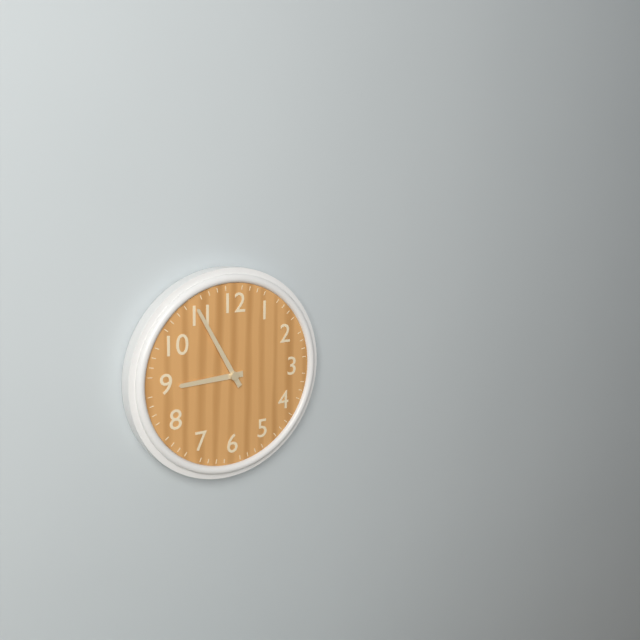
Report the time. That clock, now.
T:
8:55
